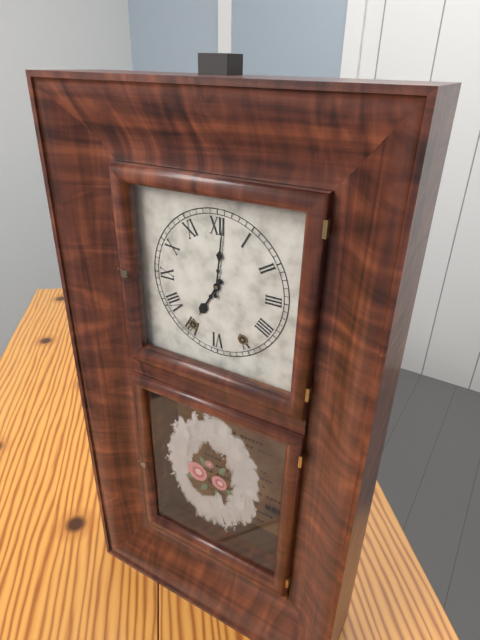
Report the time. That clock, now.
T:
7:01
